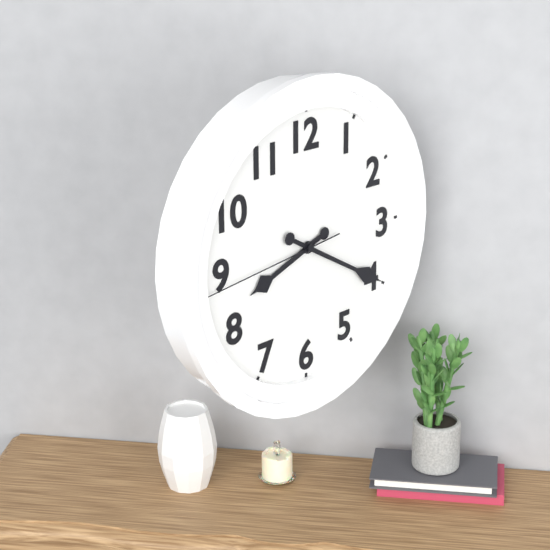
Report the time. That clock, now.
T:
8:20:44
